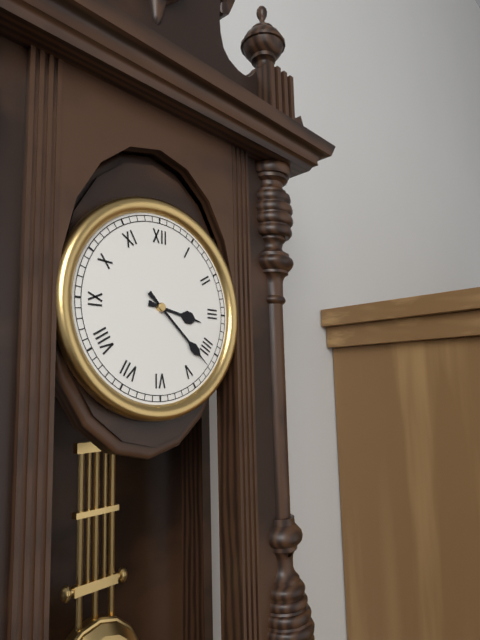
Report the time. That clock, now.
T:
3:22
